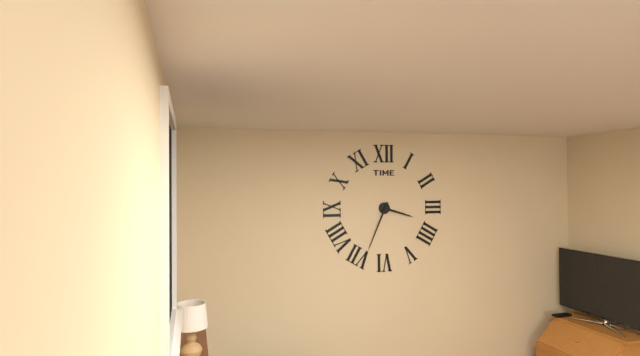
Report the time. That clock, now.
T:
3:34
